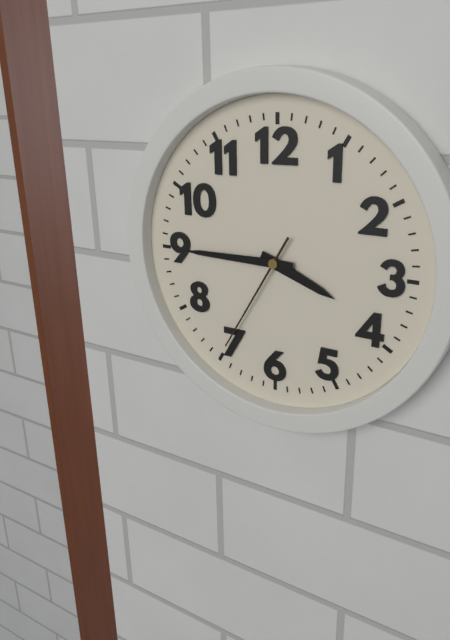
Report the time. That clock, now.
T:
3:45:35
